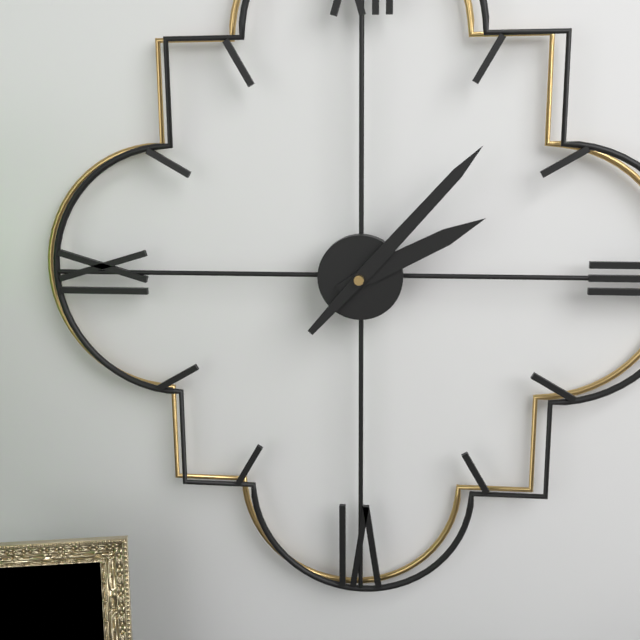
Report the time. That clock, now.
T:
2:07
